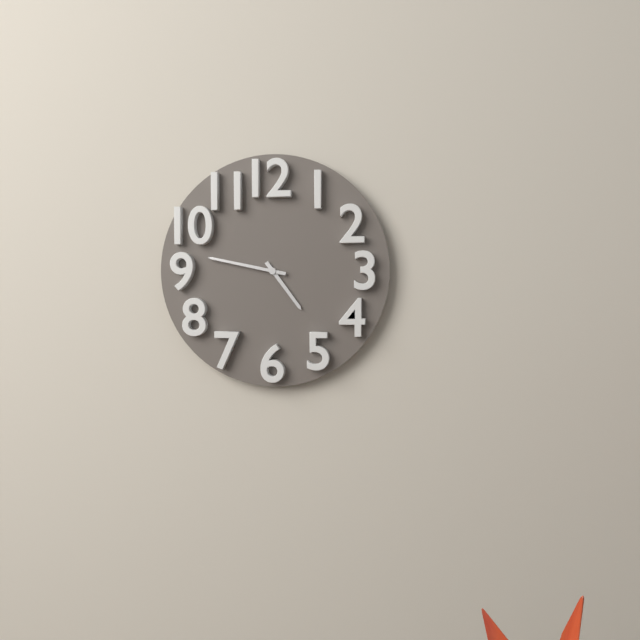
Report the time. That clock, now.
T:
4:47
